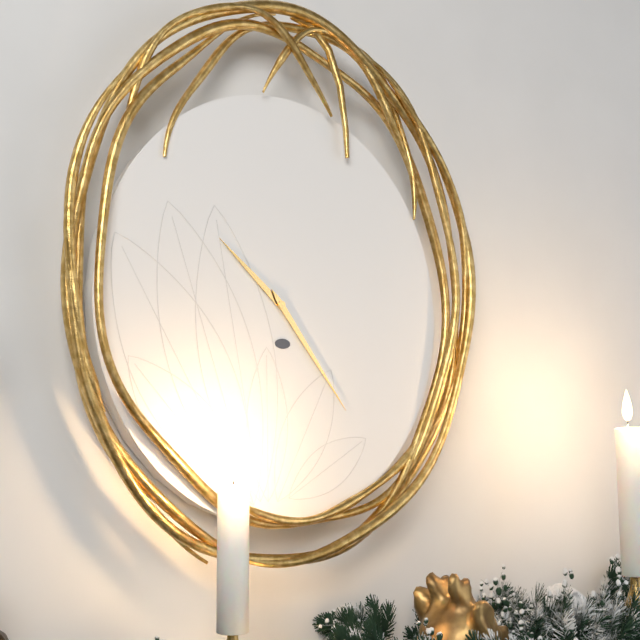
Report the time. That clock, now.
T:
10:24
